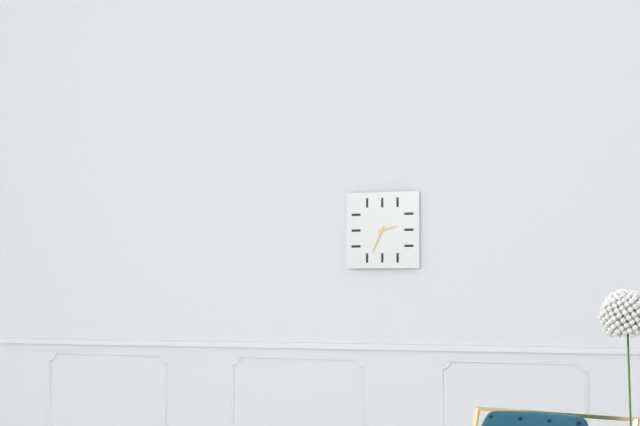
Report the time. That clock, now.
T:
2:34
